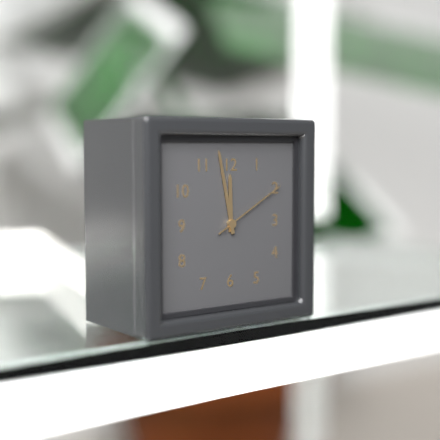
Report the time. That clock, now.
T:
11:58:10
